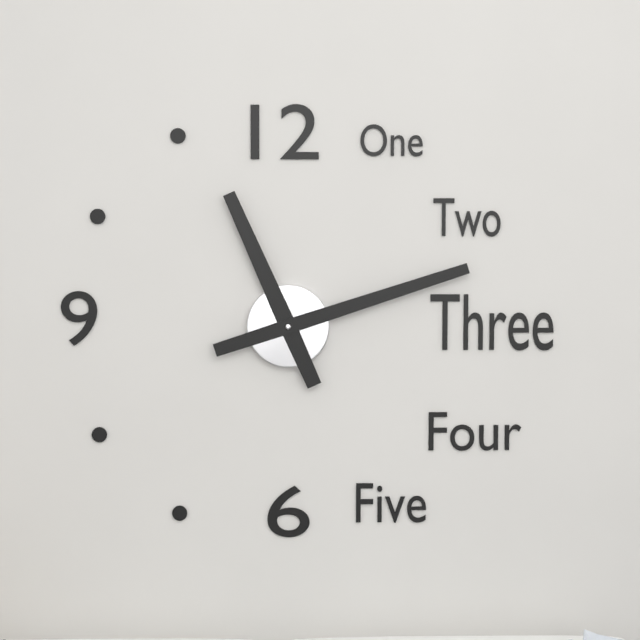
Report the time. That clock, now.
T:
11:12
